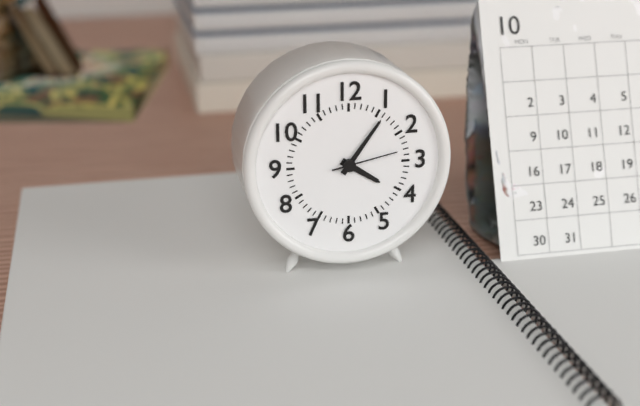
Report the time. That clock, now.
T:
4:06:13
